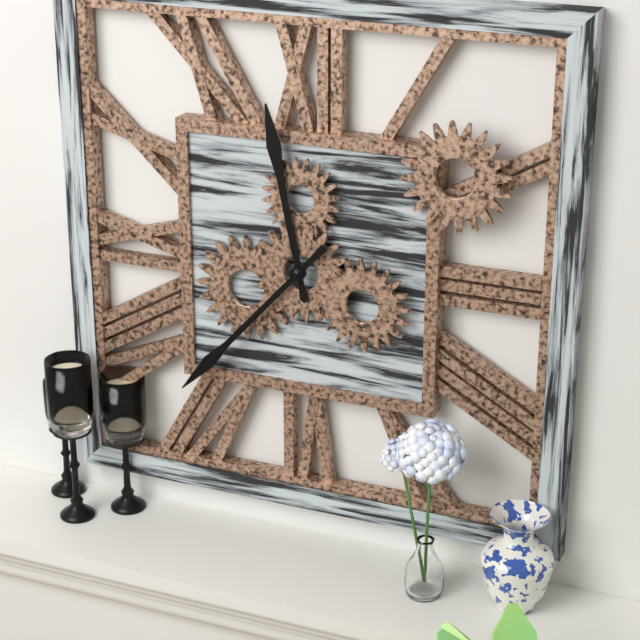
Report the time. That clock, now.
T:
11:37
